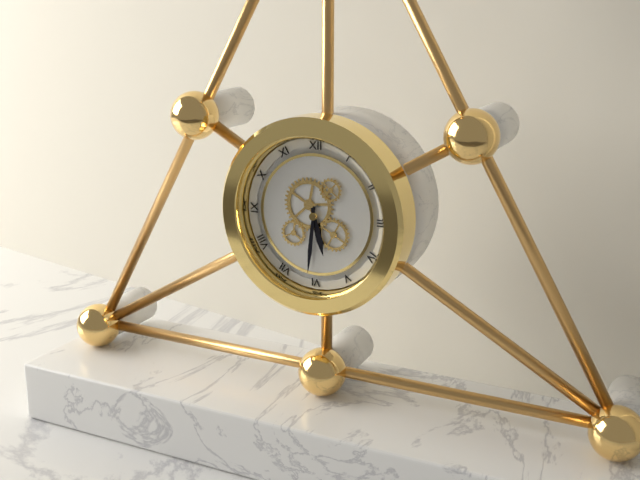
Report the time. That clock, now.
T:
5:31
